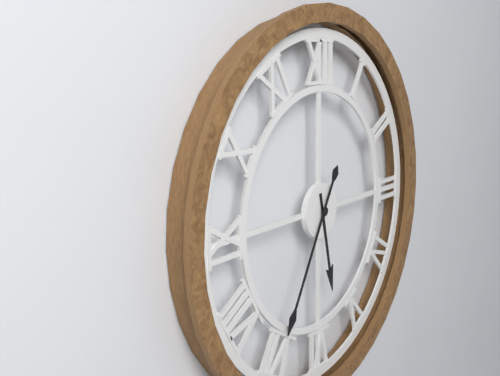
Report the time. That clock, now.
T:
5:35
